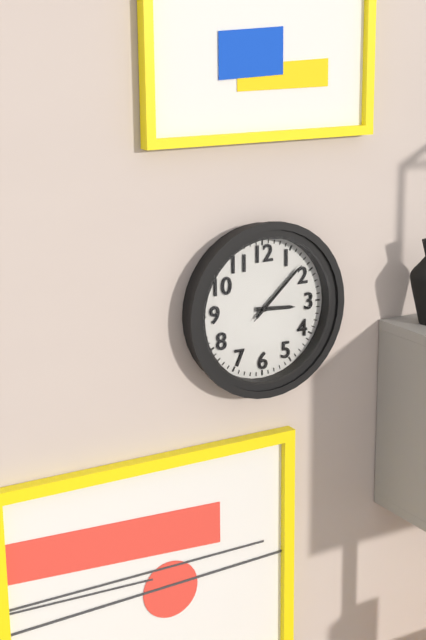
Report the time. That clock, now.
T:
3:08:08
